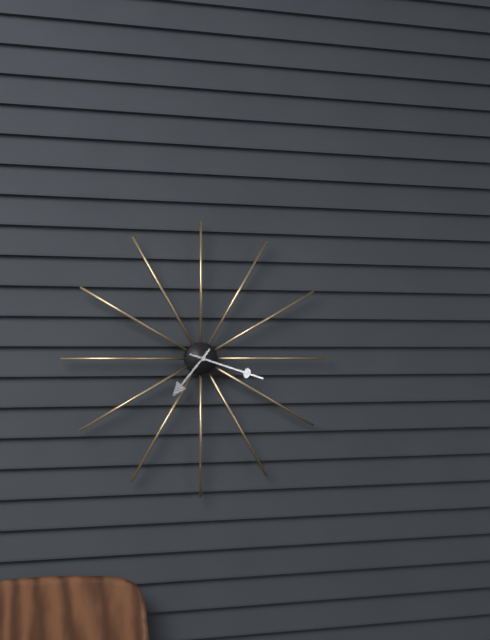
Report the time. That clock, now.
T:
7:18
